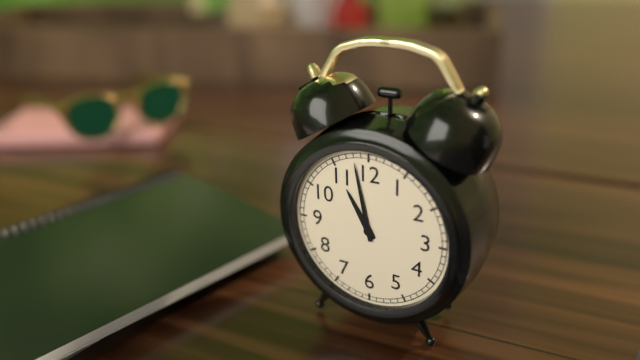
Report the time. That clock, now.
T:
10:58
